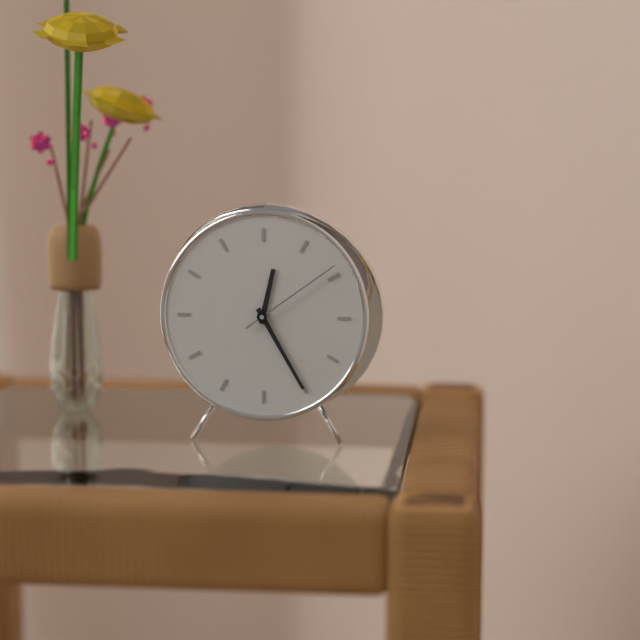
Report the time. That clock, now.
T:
12:25:09
